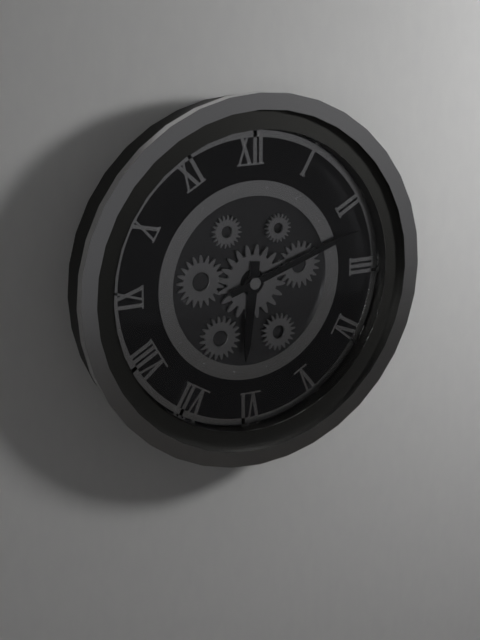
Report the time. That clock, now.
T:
6:12
